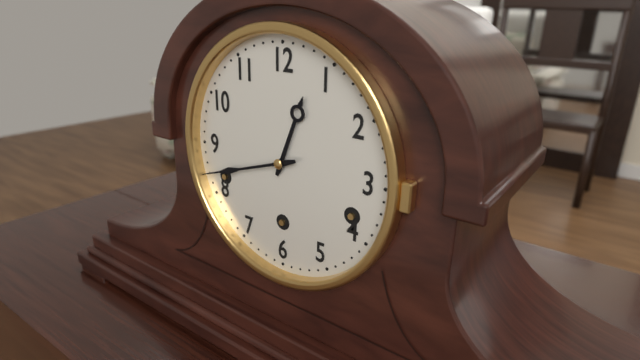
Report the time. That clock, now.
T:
12:42
